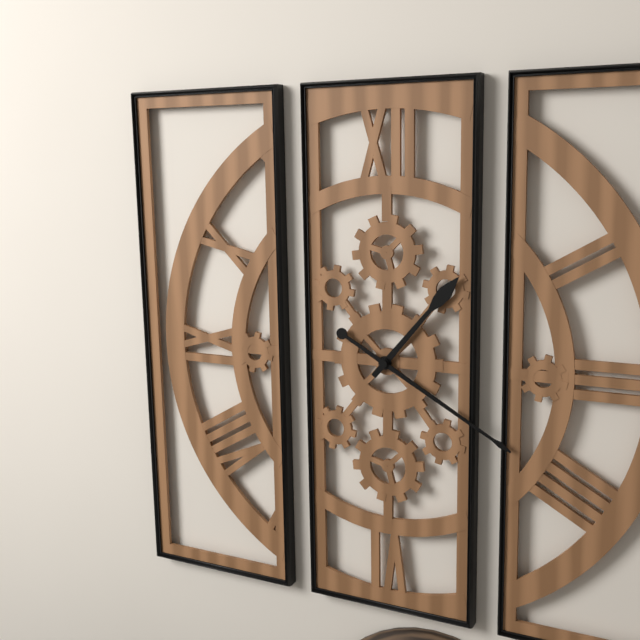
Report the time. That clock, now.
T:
1:20
